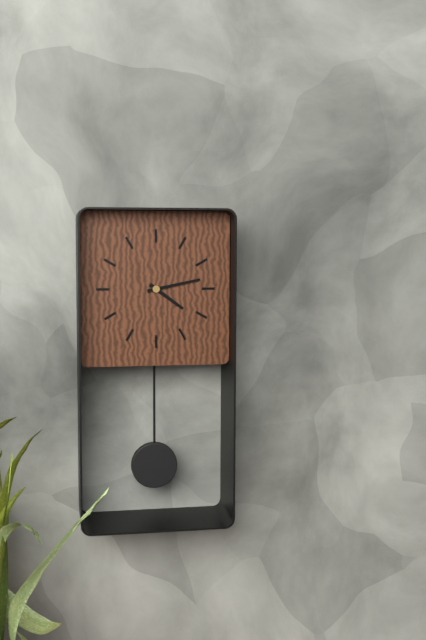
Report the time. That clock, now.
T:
4:13
